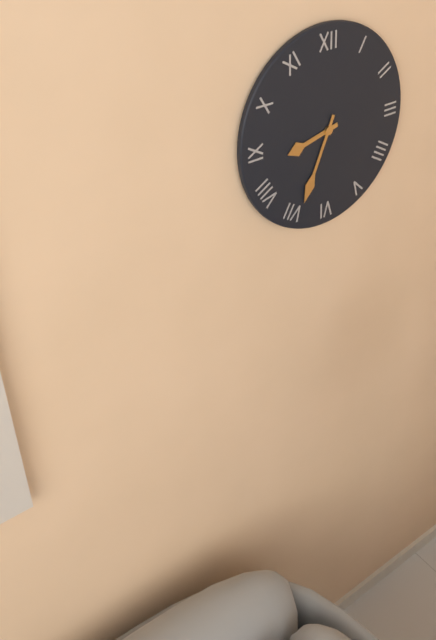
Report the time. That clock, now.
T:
8:34
